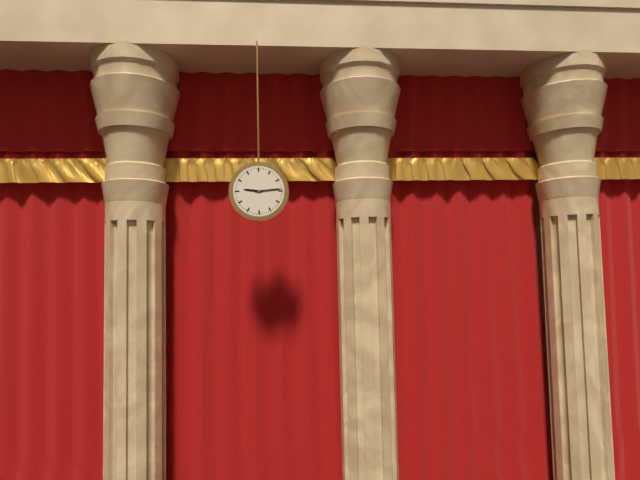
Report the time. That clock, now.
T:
9:14
